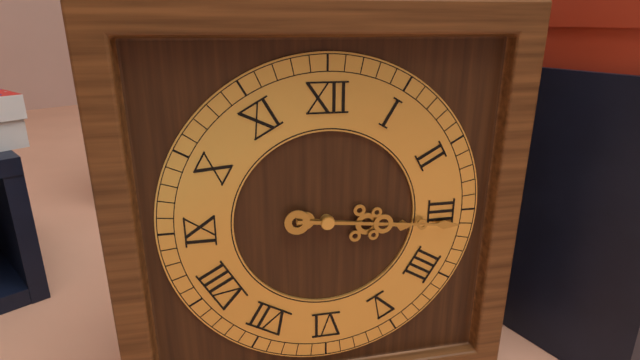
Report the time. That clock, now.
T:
3:16
